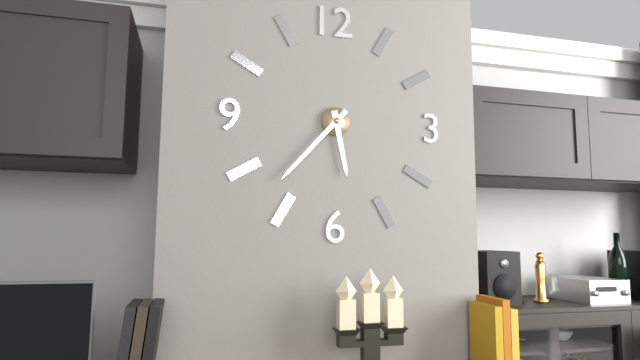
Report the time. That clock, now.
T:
5:37
